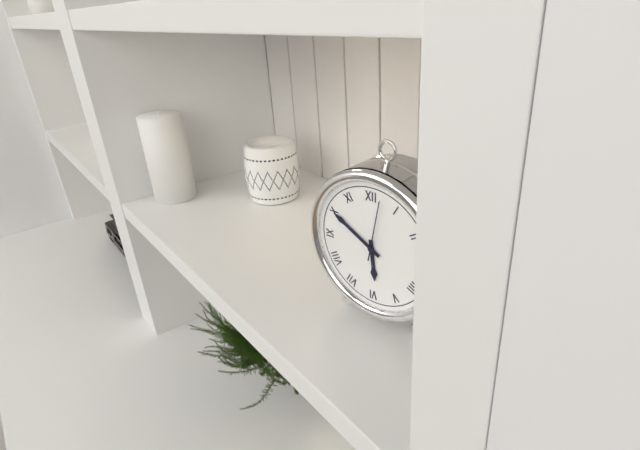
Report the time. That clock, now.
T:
5:50
